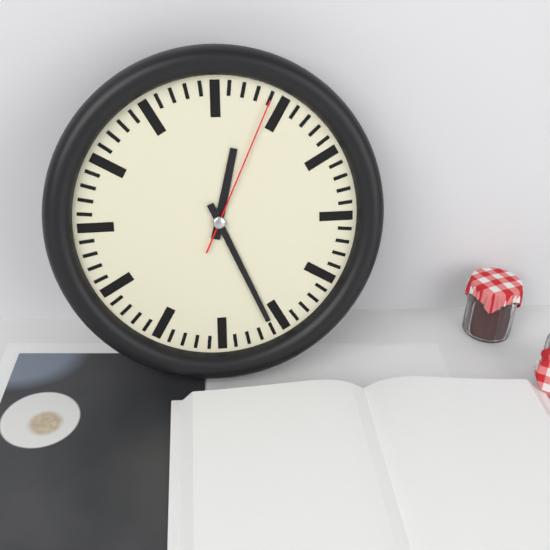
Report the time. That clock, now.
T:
12:26:04
